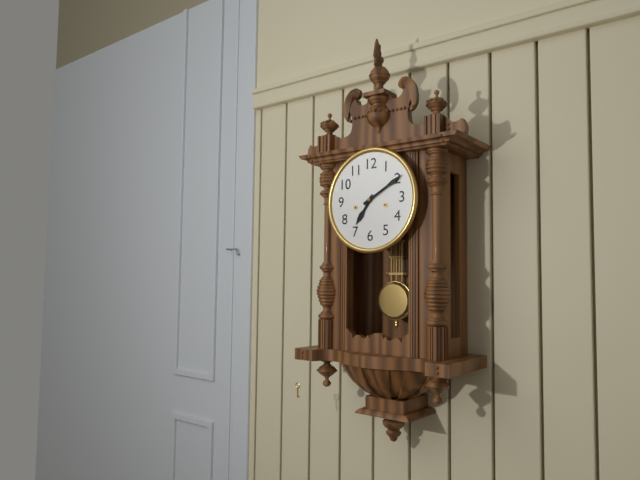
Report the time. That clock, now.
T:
7:10
